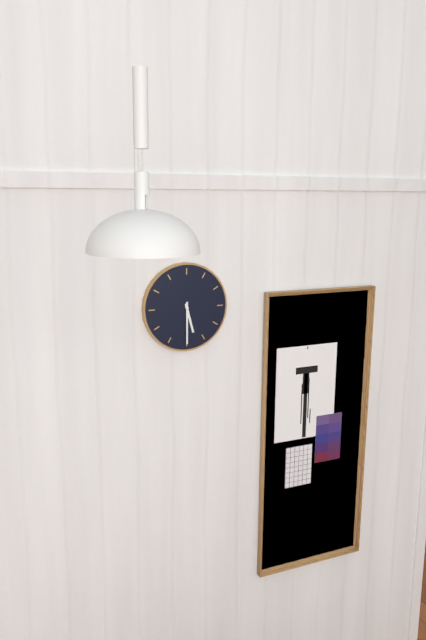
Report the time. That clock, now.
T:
5:30
